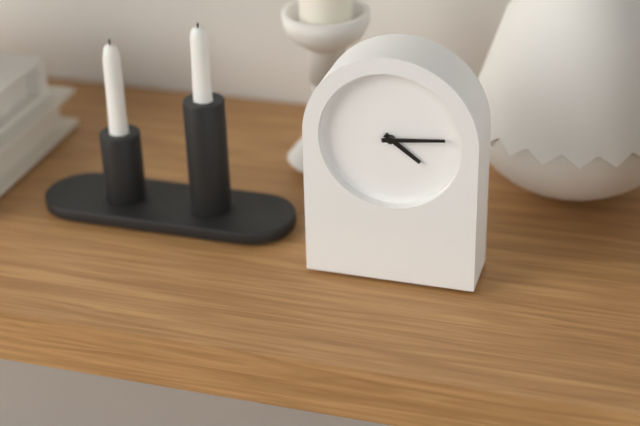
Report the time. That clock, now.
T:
4:14
